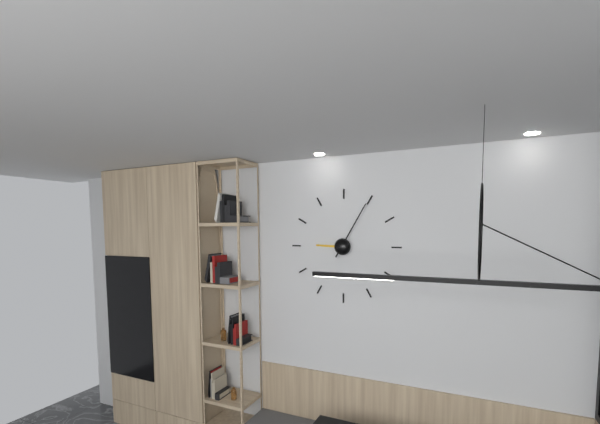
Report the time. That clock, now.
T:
9:05
